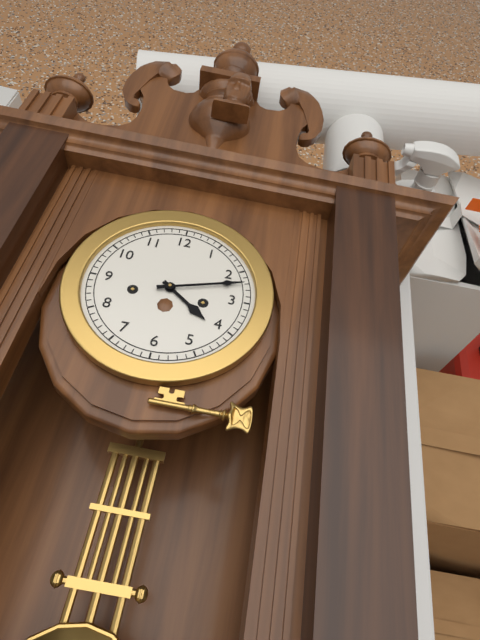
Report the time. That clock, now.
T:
4:12
